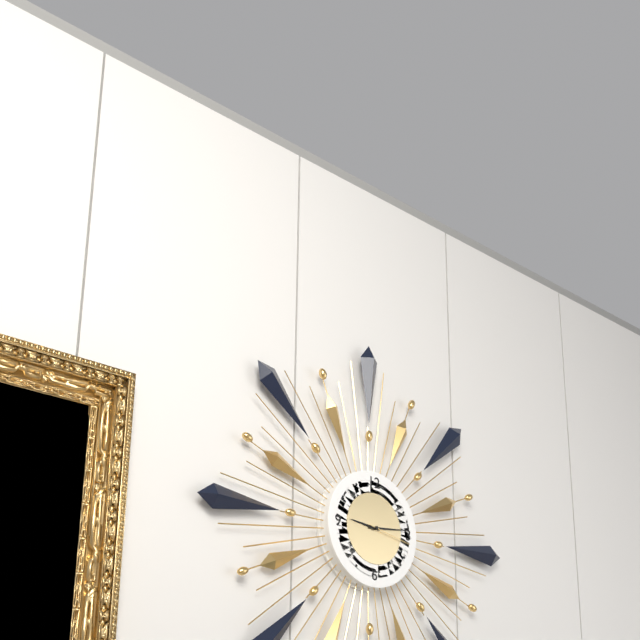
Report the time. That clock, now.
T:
9:14:17
